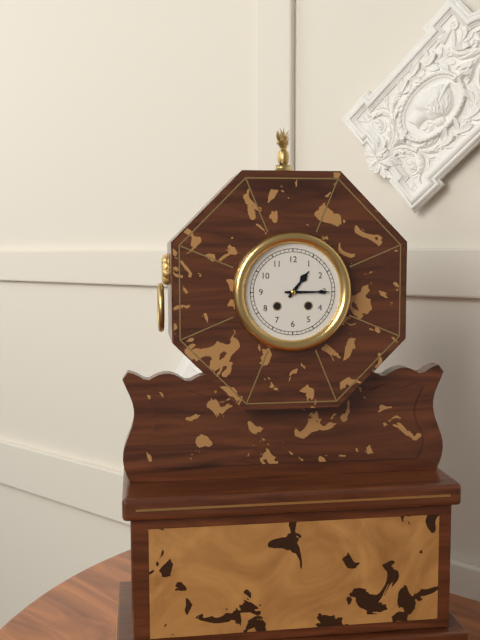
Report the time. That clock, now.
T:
1:15
